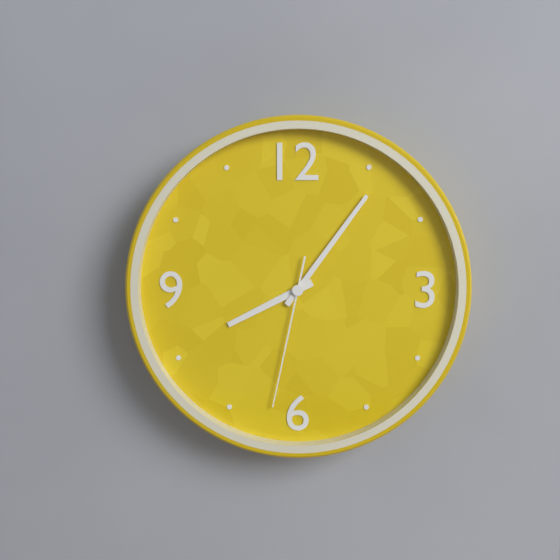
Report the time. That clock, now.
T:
8:06:32
